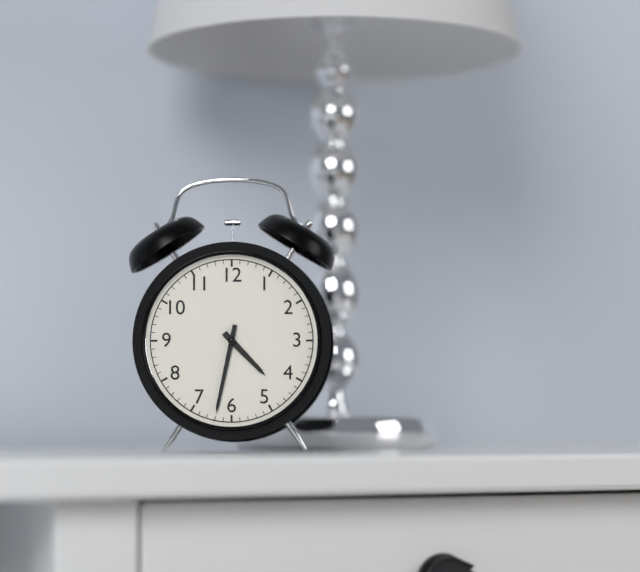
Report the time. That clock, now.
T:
4:32
